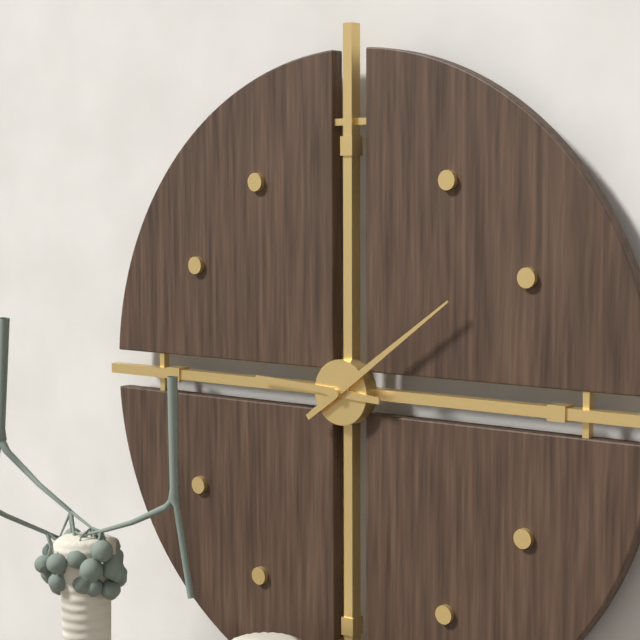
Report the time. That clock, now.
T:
9:09
